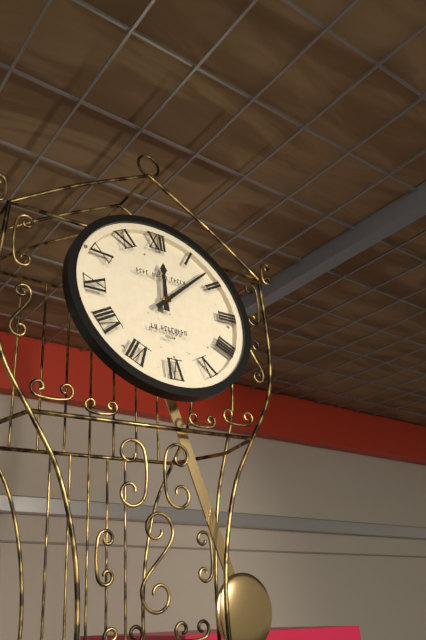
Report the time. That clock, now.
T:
12:08
